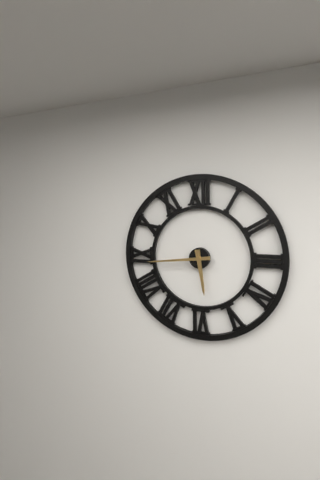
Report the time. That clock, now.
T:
5:44
